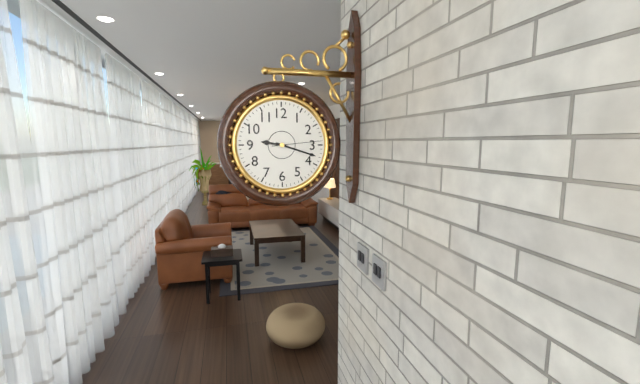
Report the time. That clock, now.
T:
9:18
